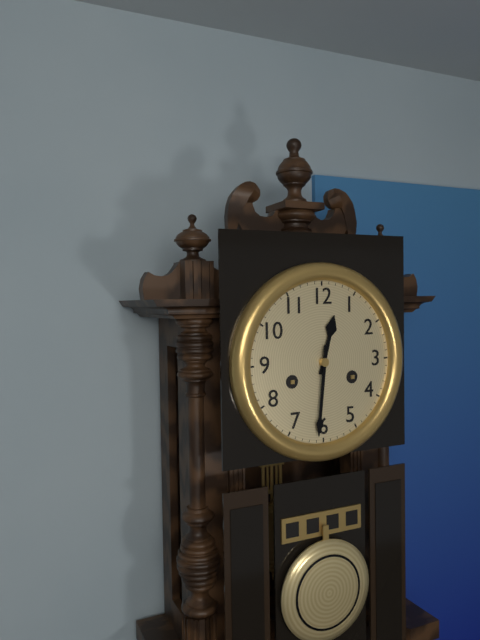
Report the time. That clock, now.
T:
12:31
